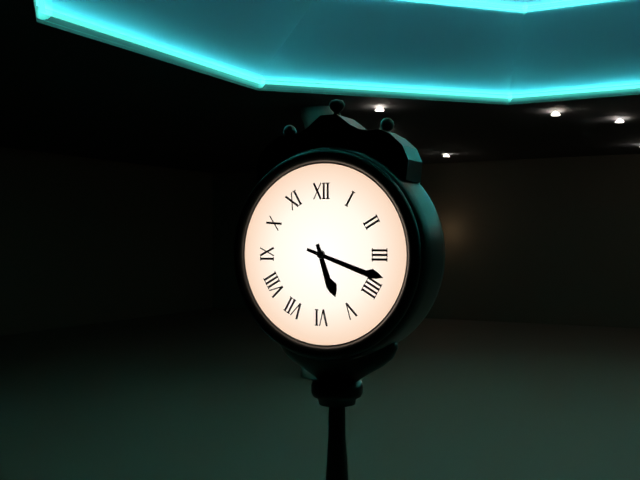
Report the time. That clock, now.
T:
5:18
